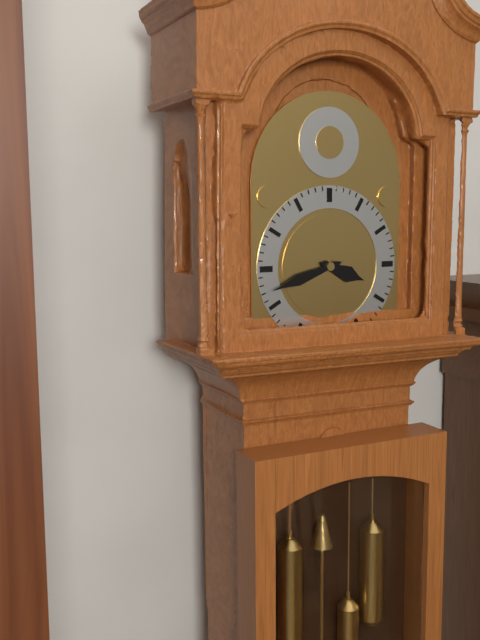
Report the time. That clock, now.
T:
3:42
